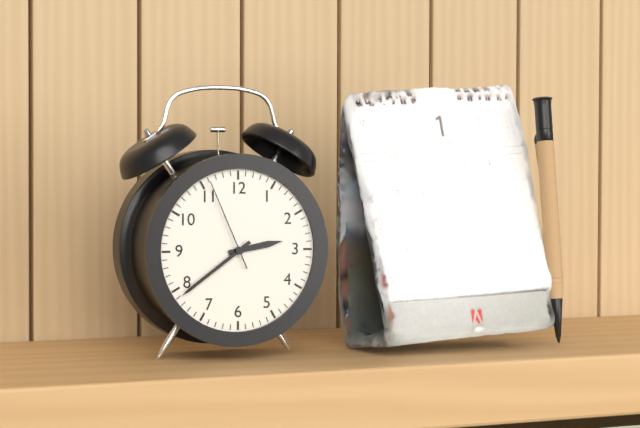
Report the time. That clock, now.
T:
2:39:56
